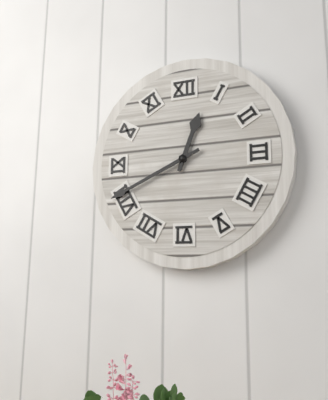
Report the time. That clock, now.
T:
12:41
